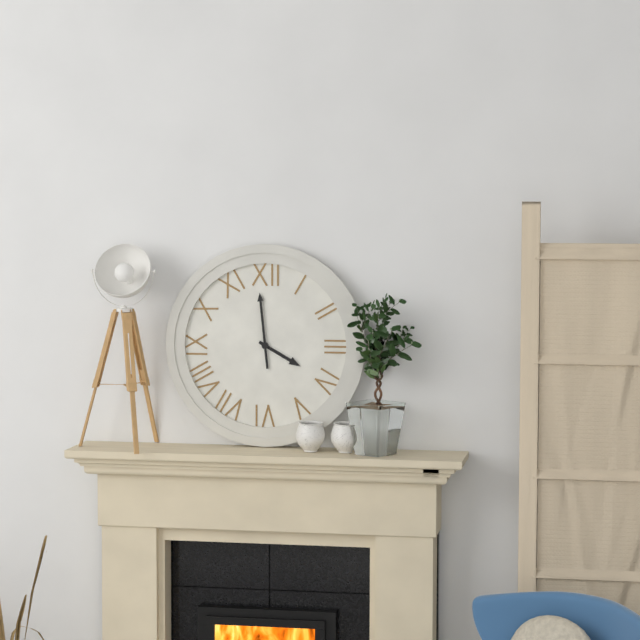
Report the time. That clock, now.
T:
3:59
